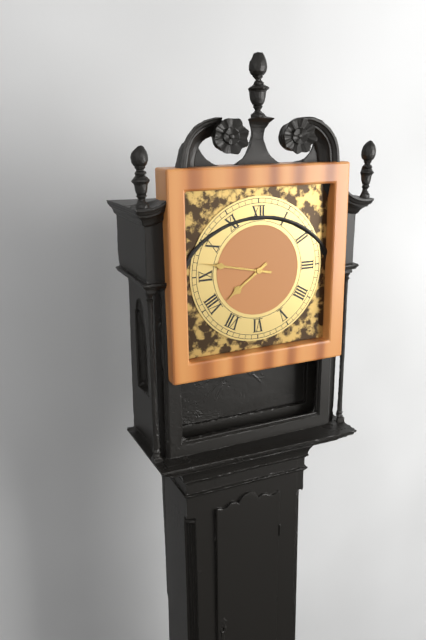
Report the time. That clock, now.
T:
7:47
